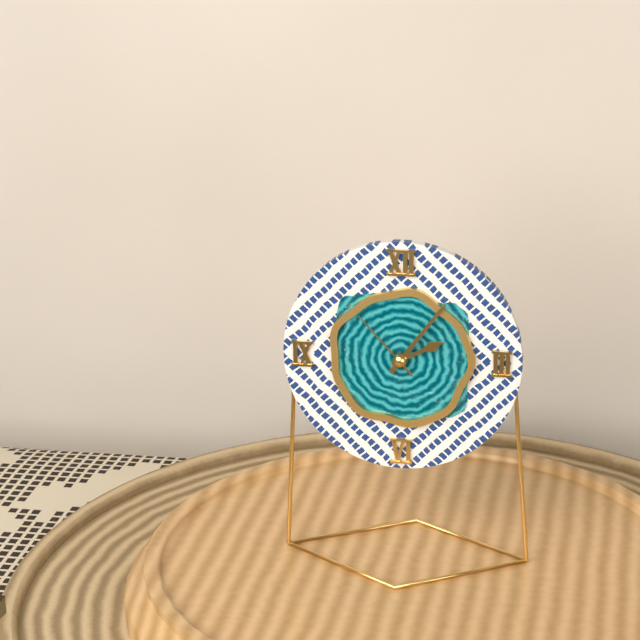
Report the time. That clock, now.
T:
2:06:53
